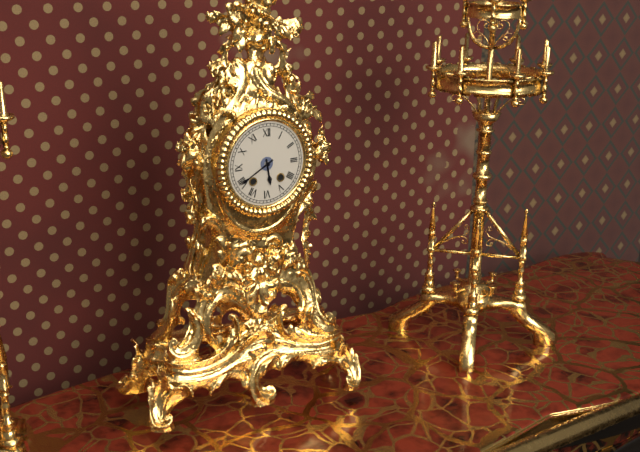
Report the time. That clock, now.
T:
5:40
